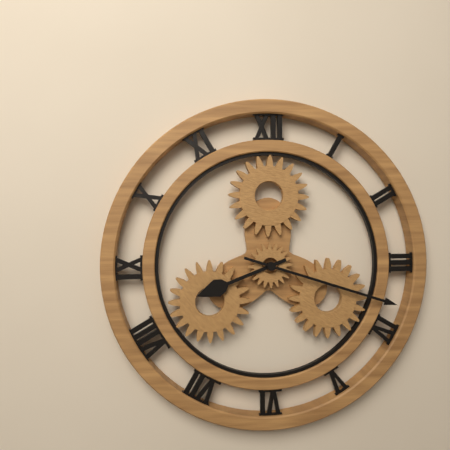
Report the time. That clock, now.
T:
8:18
